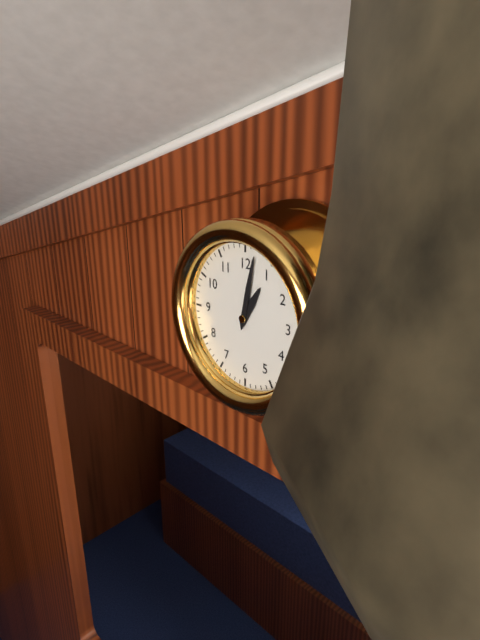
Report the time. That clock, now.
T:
1:02
